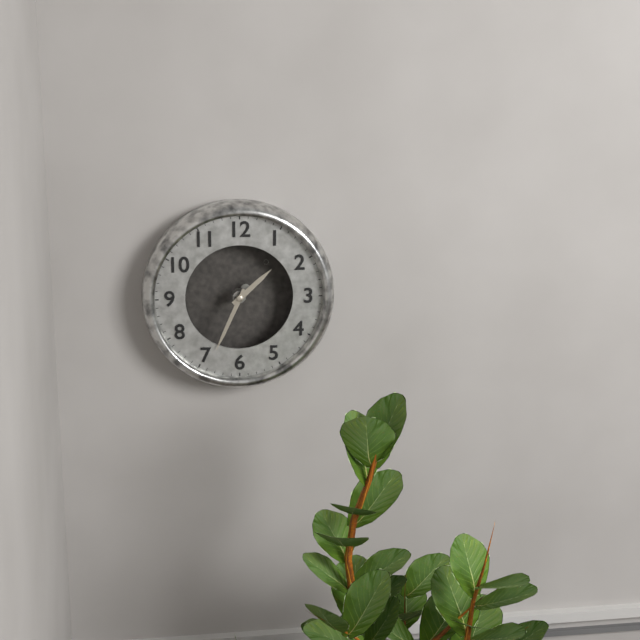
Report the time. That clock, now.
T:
1:34
